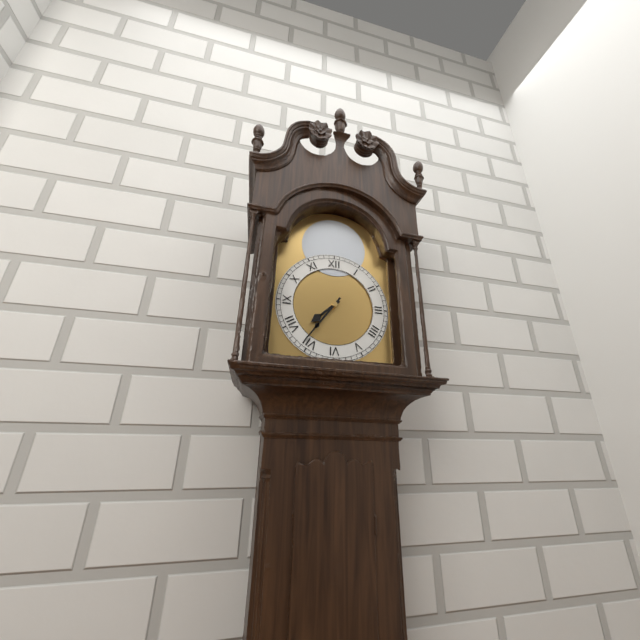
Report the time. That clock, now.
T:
7:36
